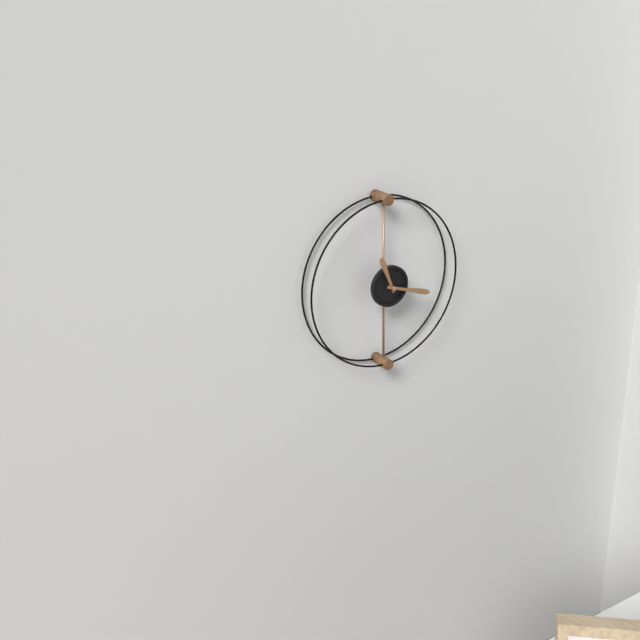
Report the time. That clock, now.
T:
11:18
